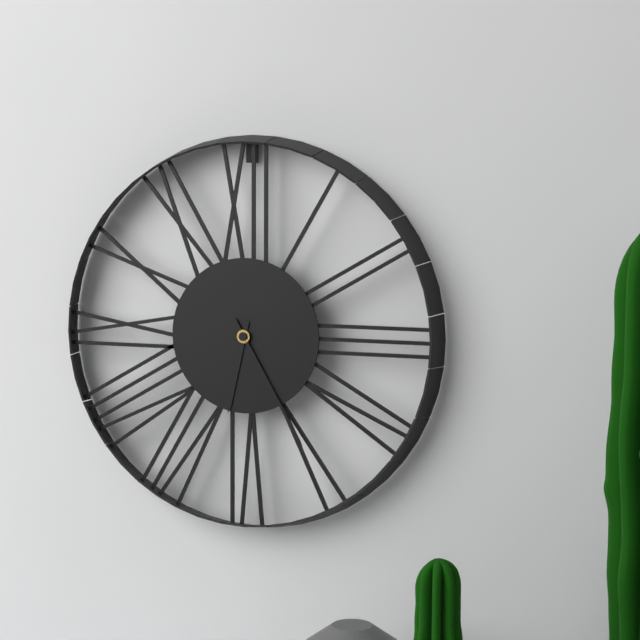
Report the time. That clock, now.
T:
6:25
